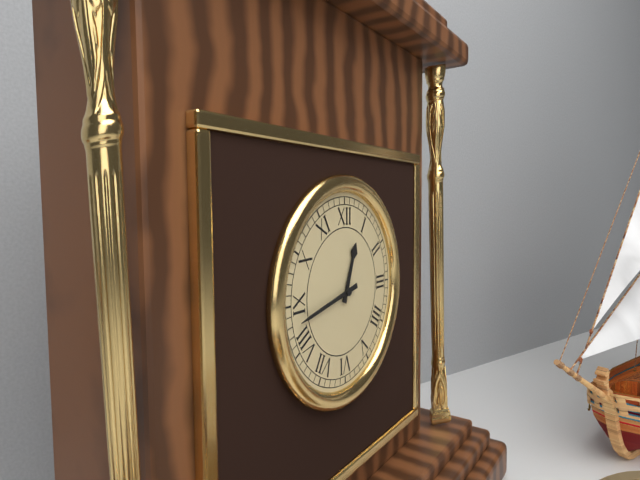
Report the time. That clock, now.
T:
12:43
